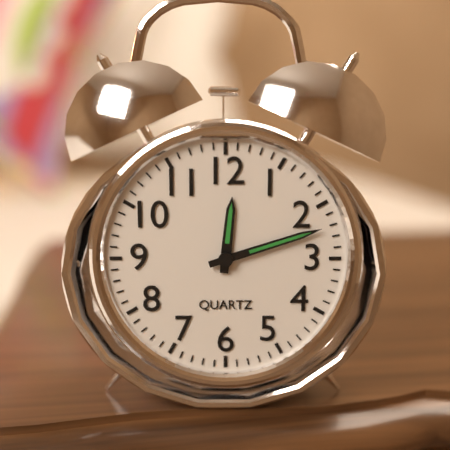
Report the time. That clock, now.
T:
12:12
